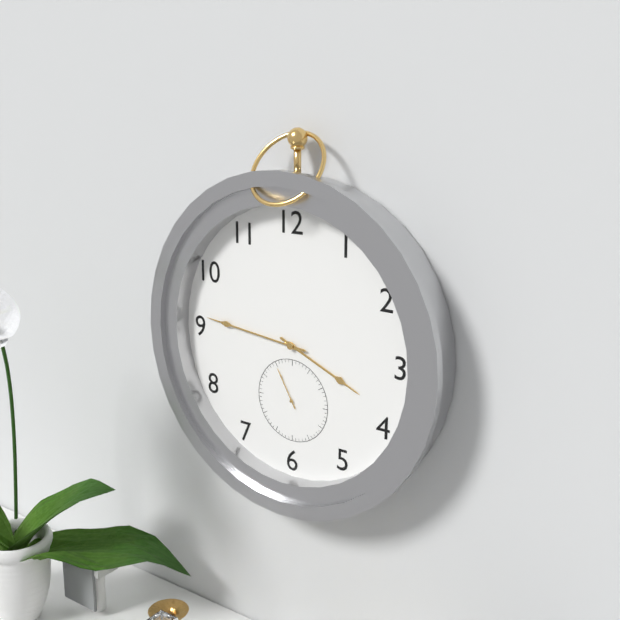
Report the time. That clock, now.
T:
3:46
